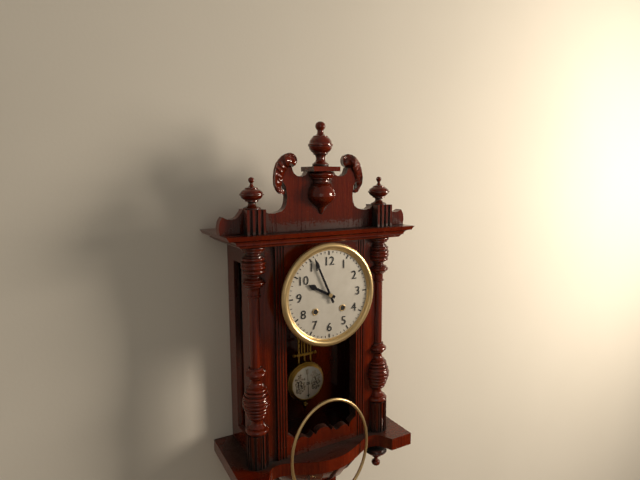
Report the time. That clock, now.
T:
9:56
